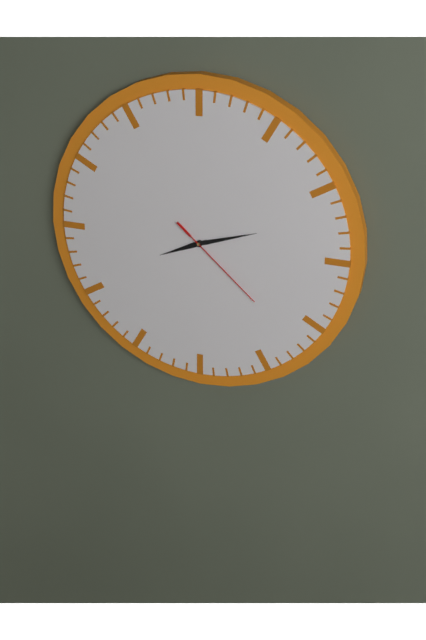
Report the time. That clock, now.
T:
8:12:22
